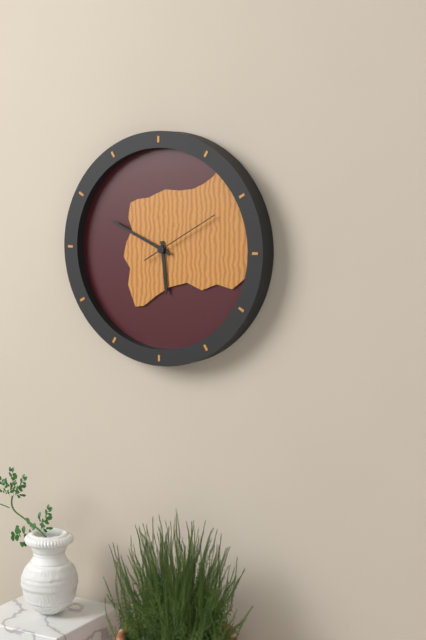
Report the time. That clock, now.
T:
5:49:10
